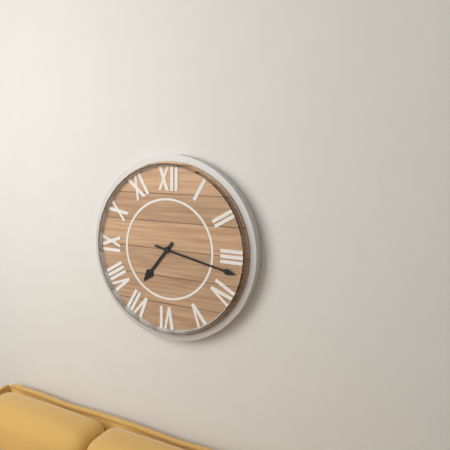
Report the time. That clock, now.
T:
7:17
